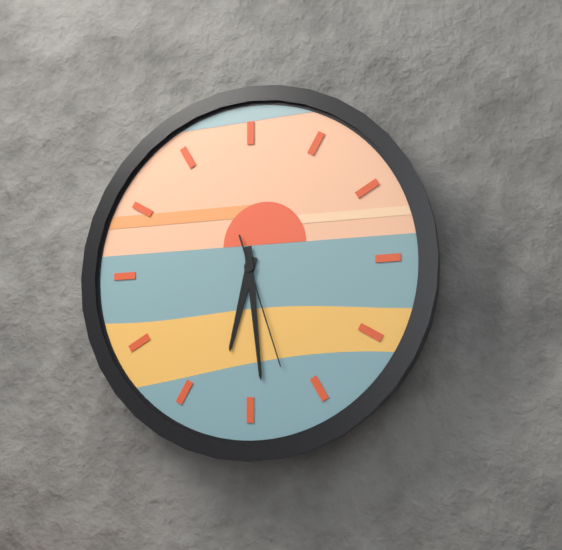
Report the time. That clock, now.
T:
6:29:27
